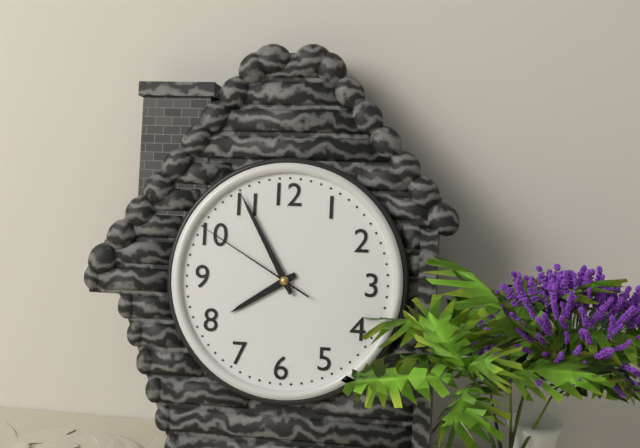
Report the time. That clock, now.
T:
7:55:50
